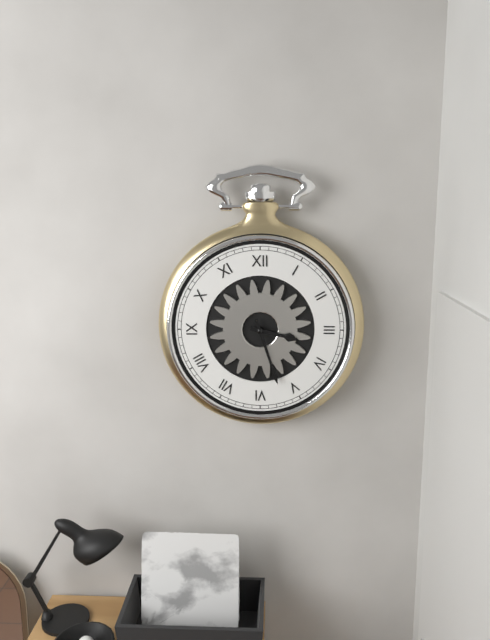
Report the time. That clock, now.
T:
3:27
